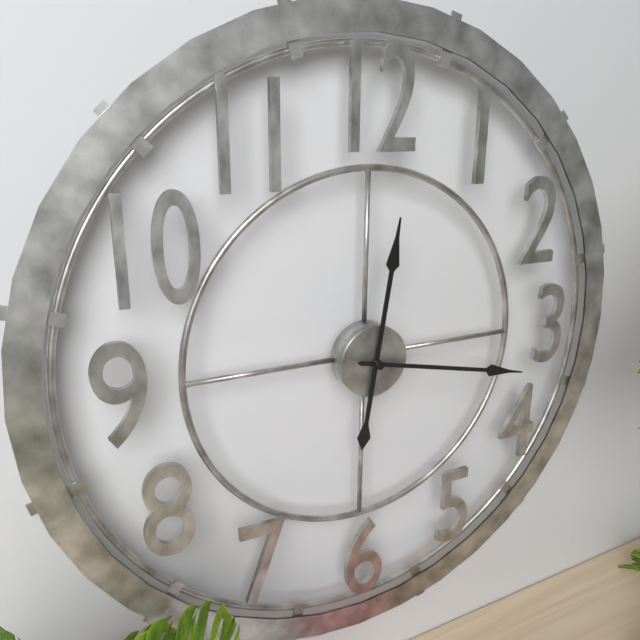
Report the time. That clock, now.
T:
12:17
